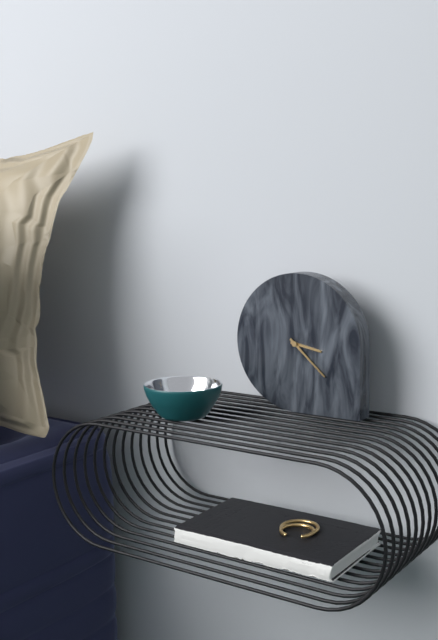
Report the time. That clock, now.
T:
3:22
